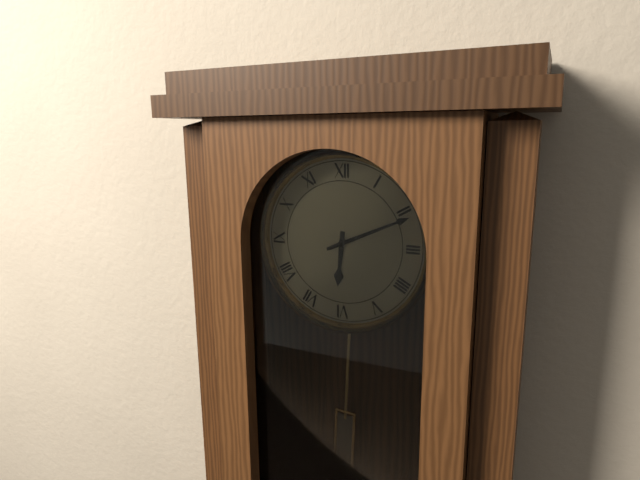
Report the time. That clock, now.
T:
6:11
